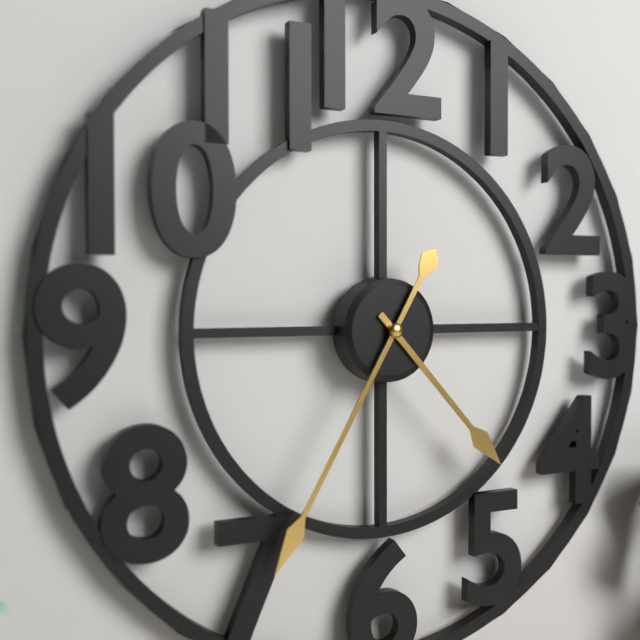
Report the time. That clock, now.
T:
4:35
